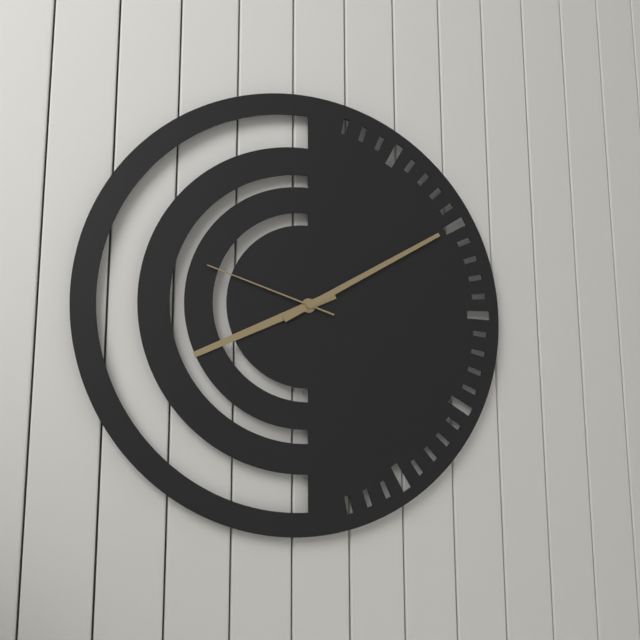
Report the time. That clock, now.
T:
8:10:48
